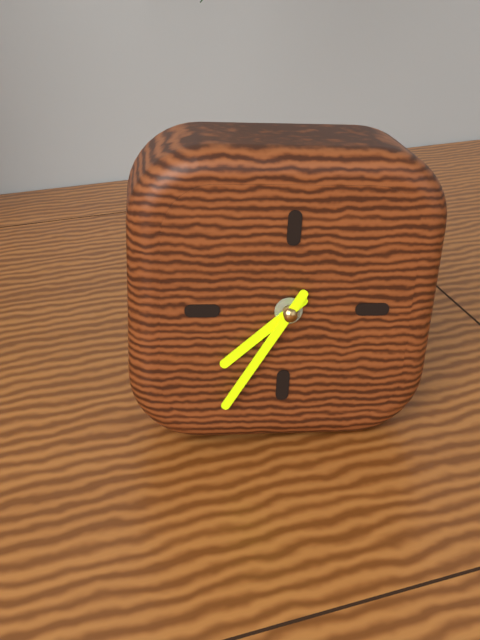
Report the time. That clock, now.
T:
7:35
